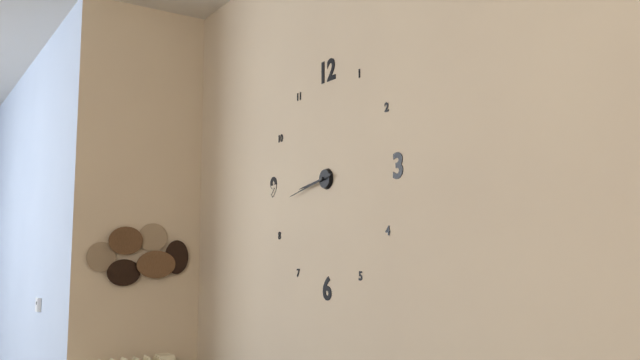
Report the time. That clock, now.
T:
8:43
